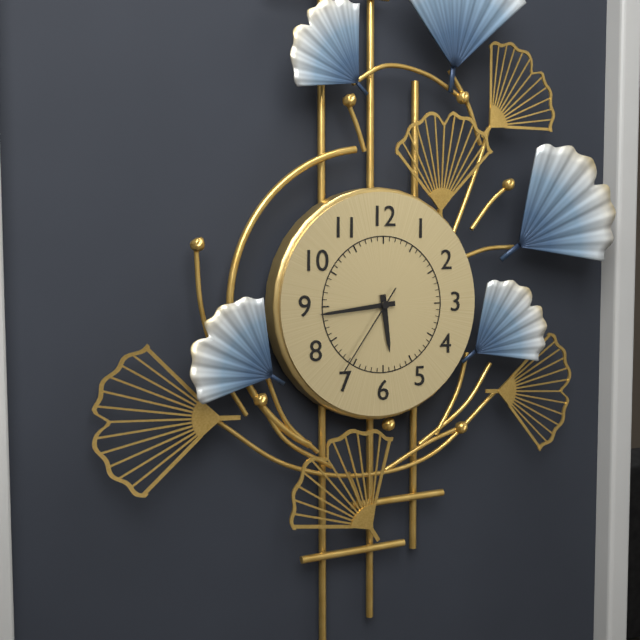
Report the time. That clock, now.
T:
5:44:36
